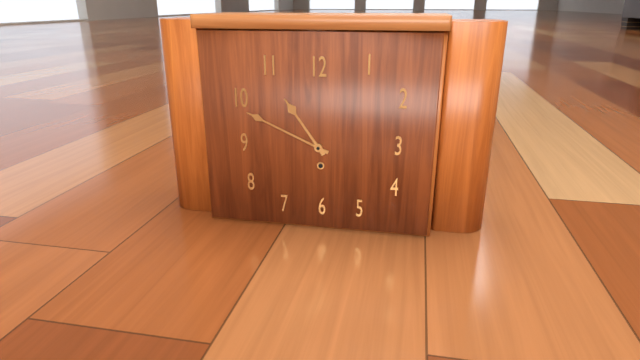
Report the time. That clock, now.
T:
10:49
